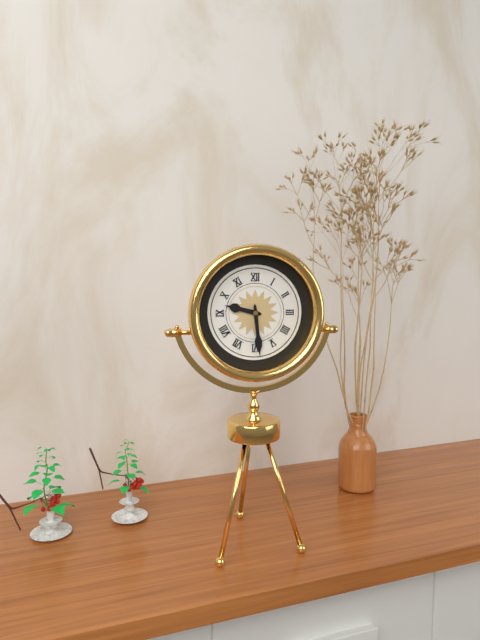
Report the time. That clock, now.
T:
9:29
